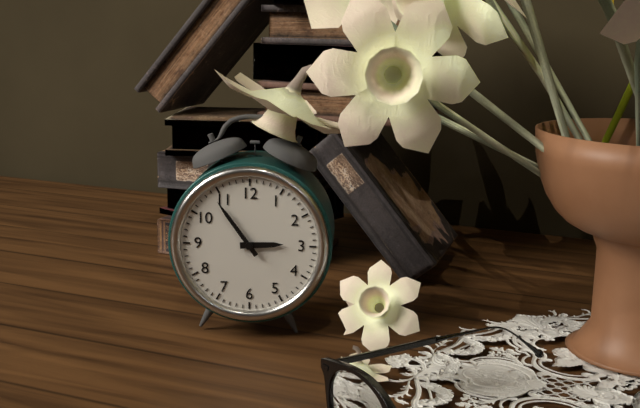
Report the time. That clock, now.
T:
2:54
